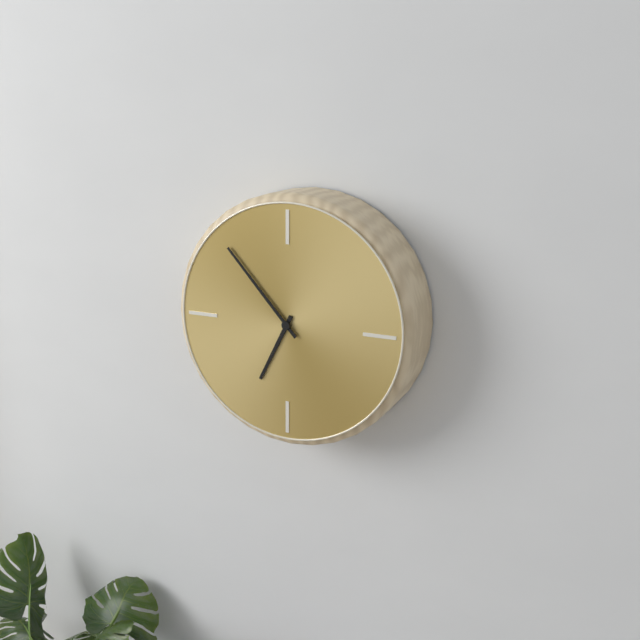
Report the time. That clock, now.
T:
6:53
